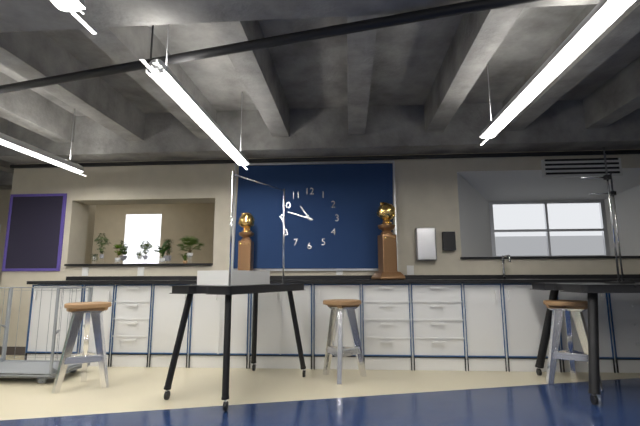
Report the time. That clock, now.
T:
10:48
